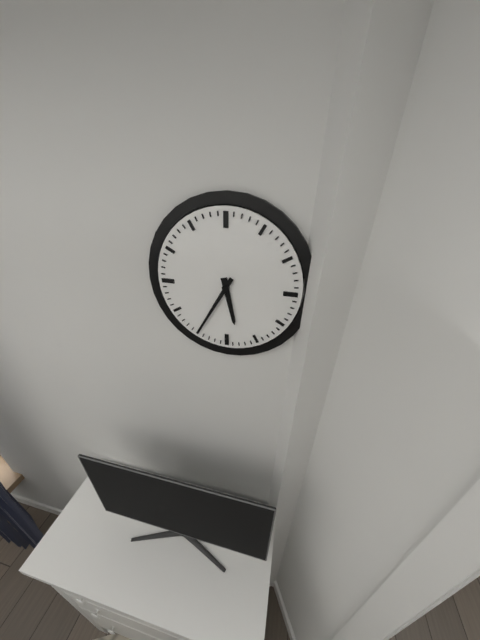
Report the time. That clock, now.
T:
5:35
